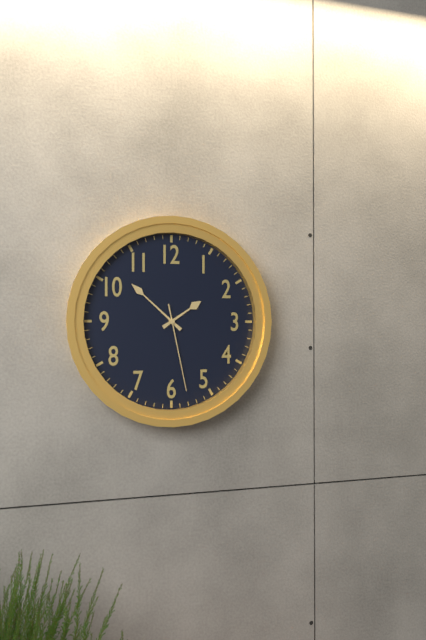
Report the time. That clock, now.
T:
1:52:28
